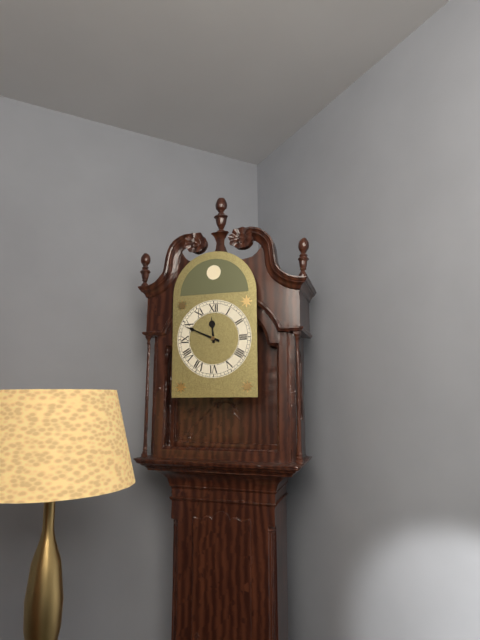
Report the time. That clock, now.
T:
11:49
